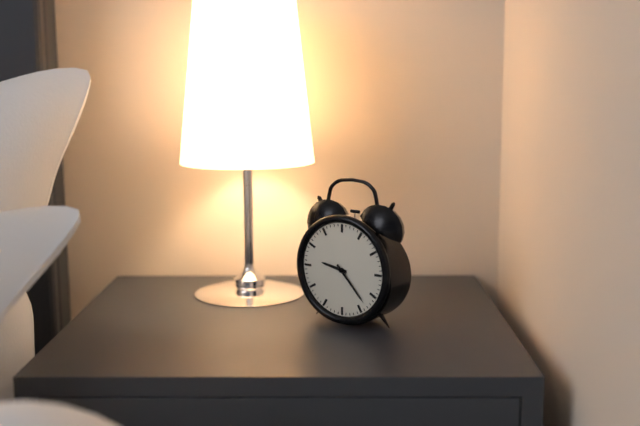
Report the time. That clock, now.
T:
9:23
